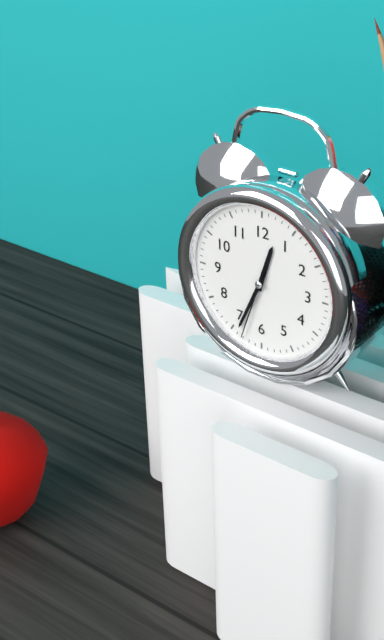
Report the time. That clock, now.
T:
12:34:33
